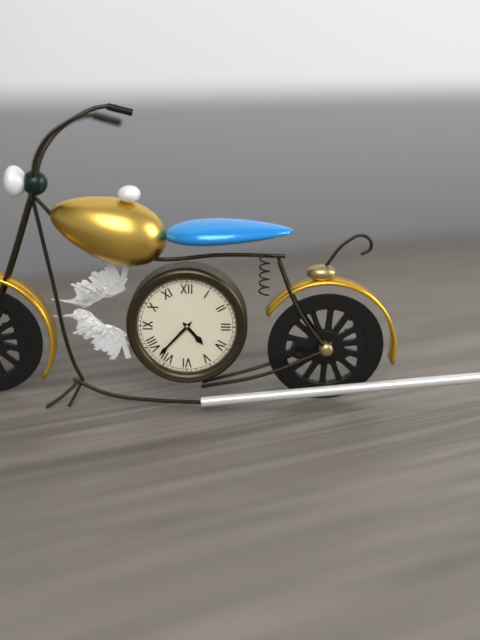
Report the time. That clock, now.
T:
4:37
